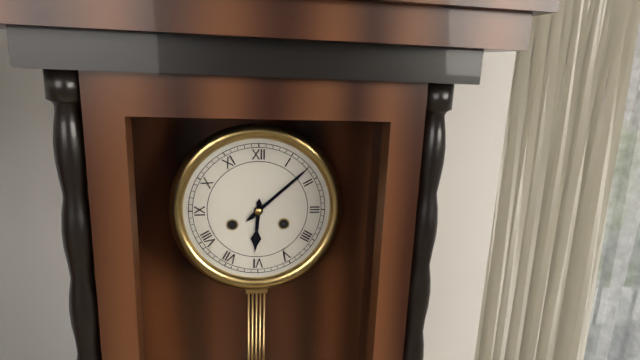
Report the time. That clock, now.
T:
6:08
